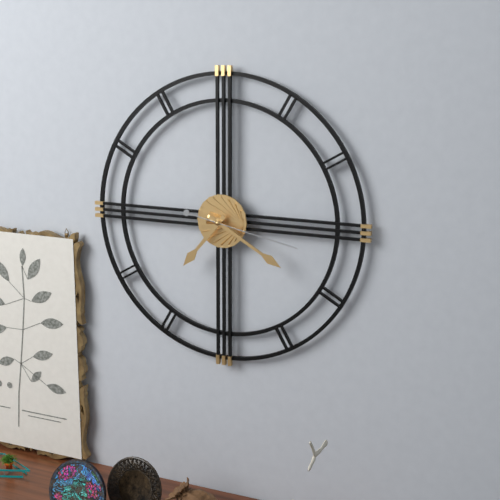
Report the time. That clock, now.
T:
7:20:17
